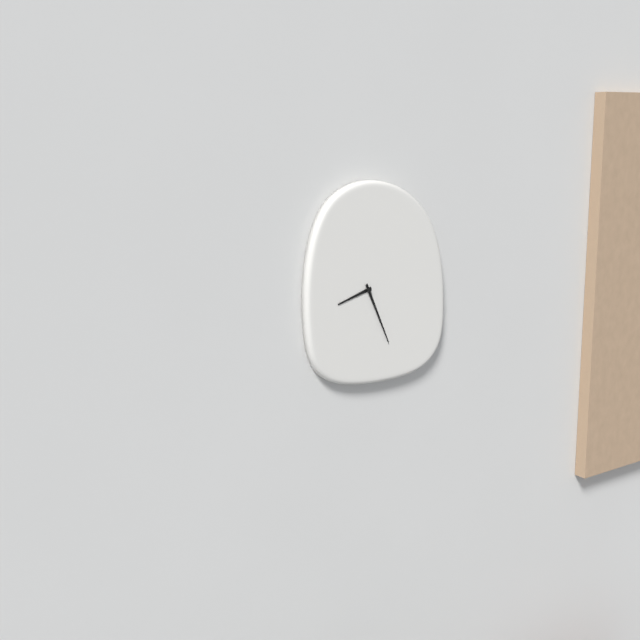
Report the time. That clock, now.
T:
8:26
